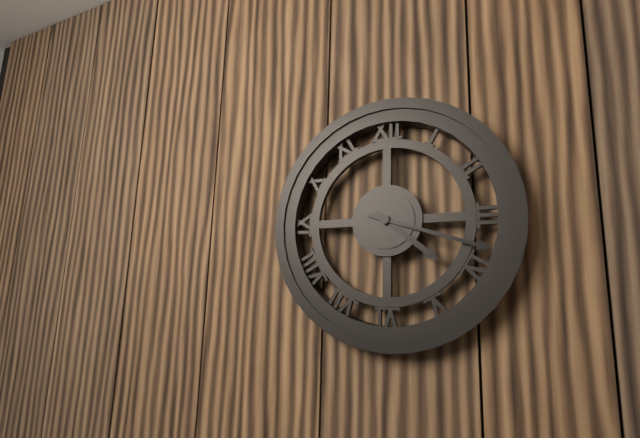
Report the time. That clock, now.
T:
4:18
